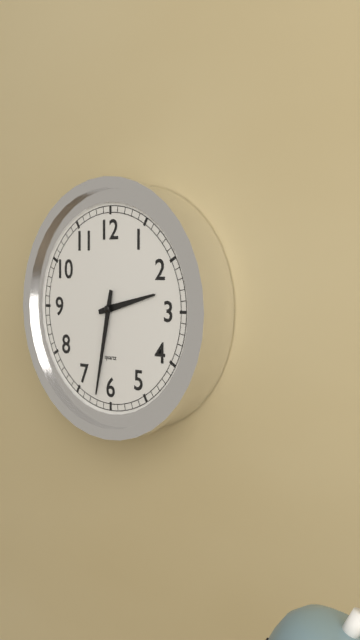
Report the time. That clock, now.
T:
2:32
